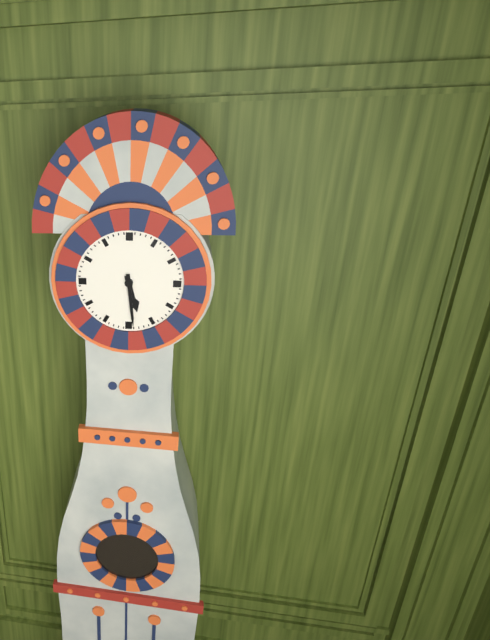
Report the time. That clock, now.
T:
5:29
